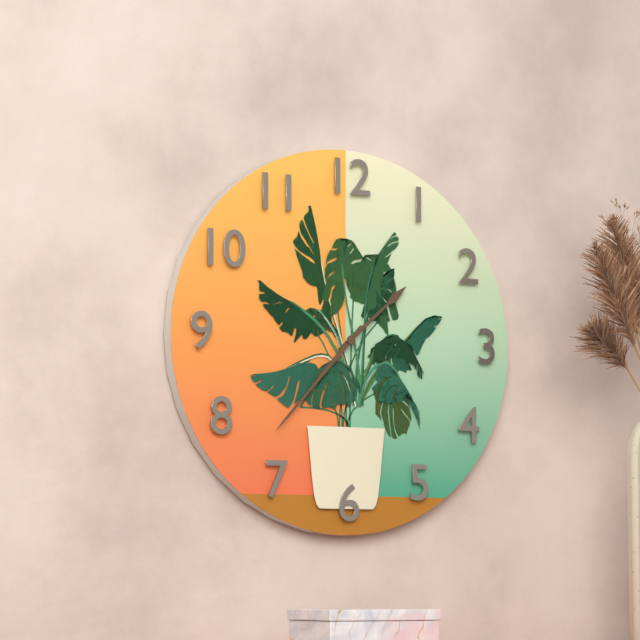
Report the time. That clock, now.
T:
1:37
